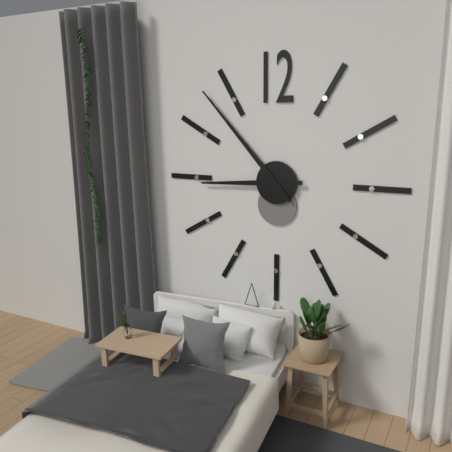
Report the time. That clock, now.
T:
8:53
